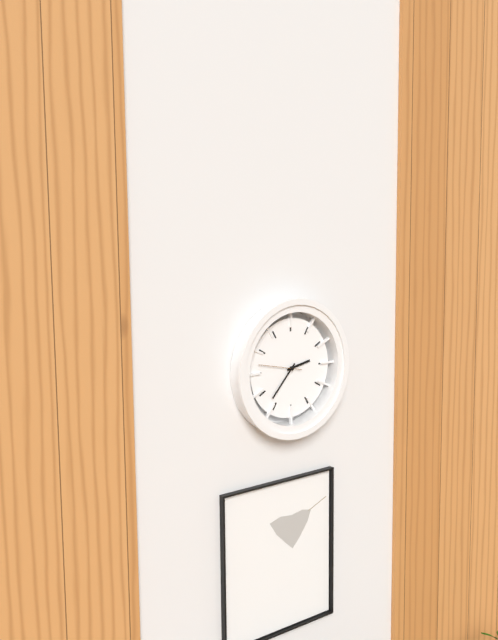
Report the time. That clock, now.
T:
2:37
